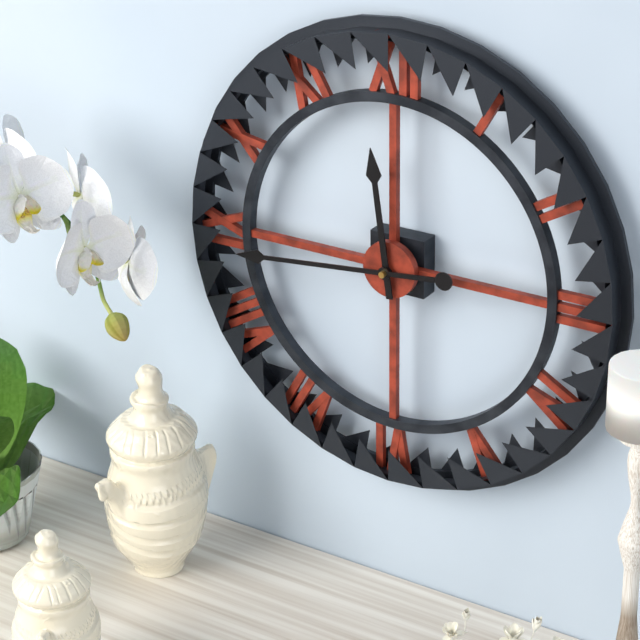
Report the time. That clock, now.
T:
11:44
